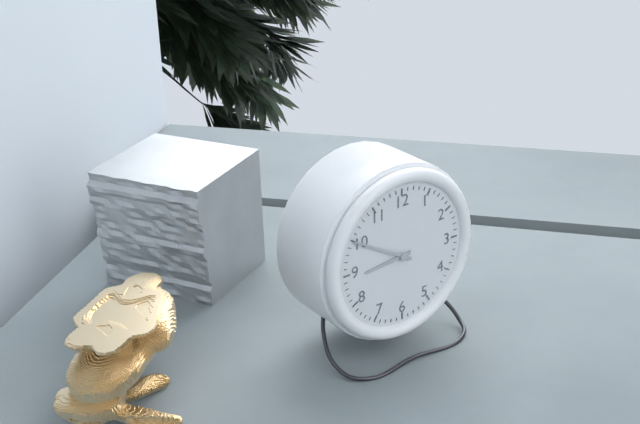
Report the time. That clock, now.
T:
8:50
